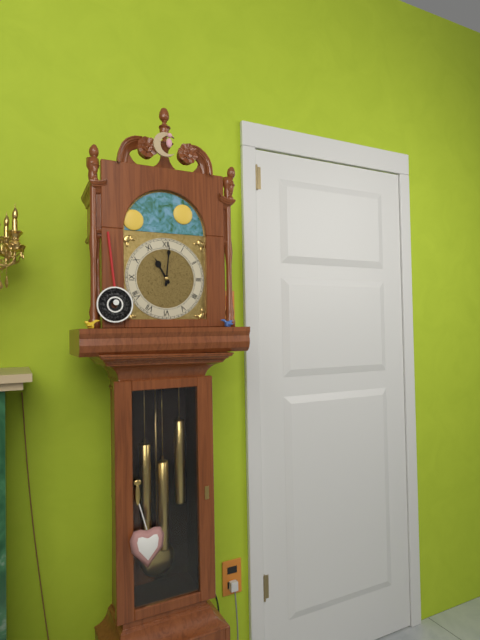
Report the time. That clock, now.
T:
11:01
